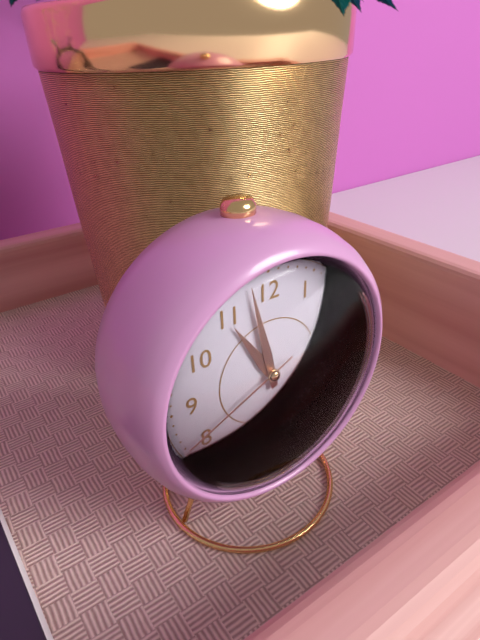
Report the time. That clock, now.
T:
10:58:41
